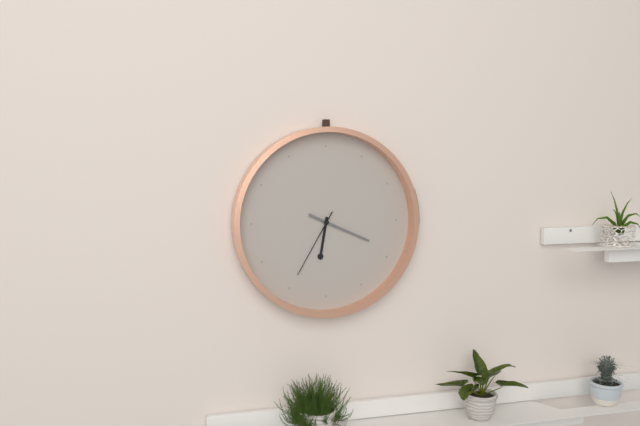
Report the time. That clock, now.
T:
6:19:35
